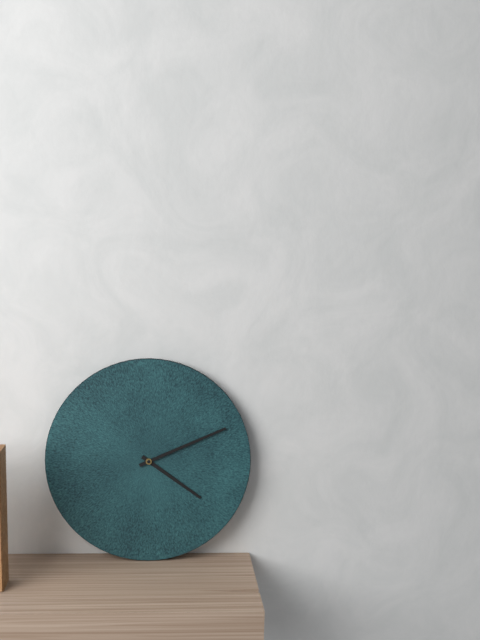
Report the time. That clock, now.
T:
4:11
